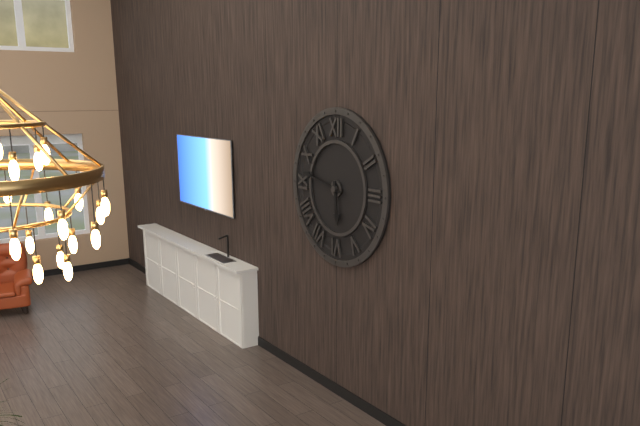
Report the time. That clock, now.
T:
5:47
